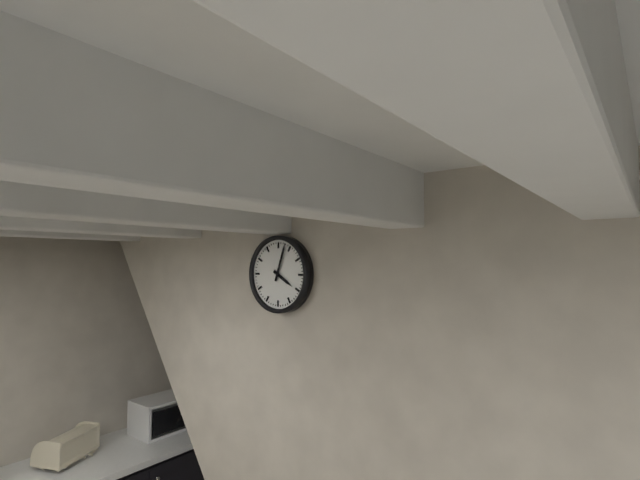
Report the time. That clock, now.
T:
4:03
